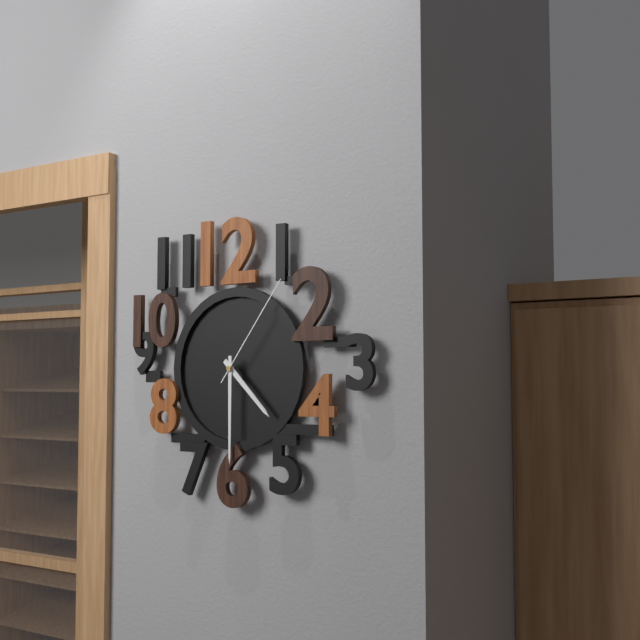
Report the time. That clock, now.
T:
4:30:06
